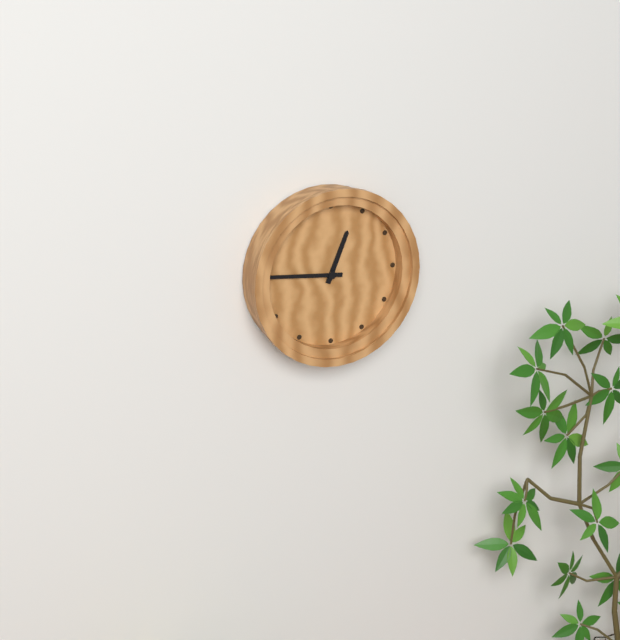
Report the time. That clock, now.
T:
12:46
